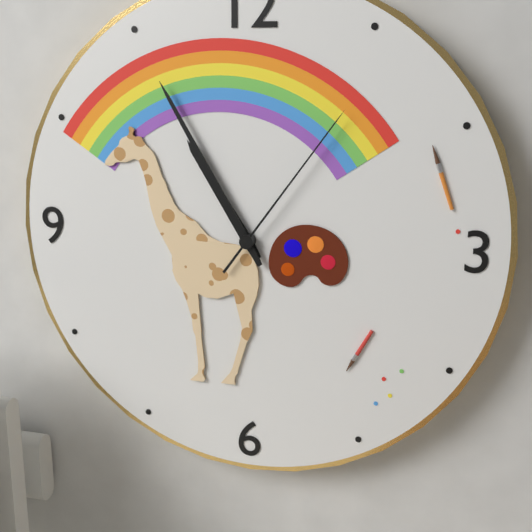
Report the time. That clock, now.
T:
10:55:06
